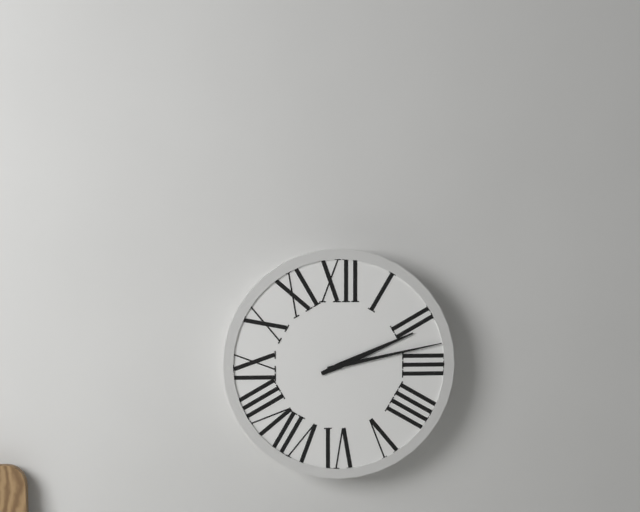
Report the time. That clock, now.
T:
2:13
